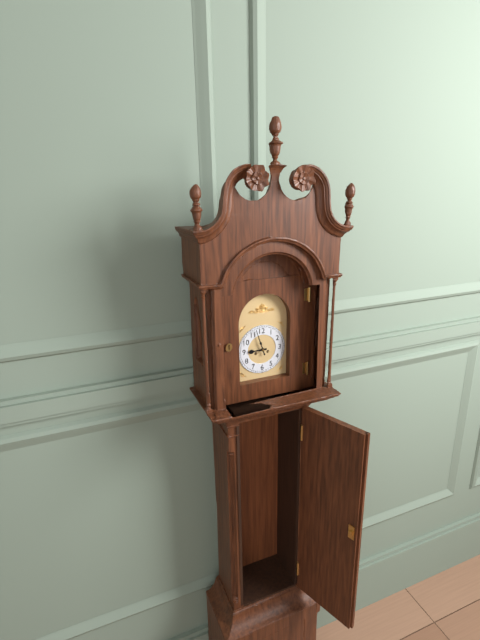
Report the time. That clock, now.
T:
8:57
